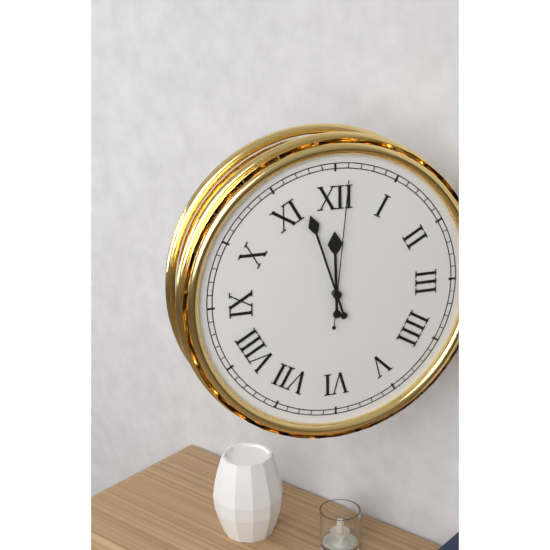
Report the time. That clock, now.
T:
11:57:01
